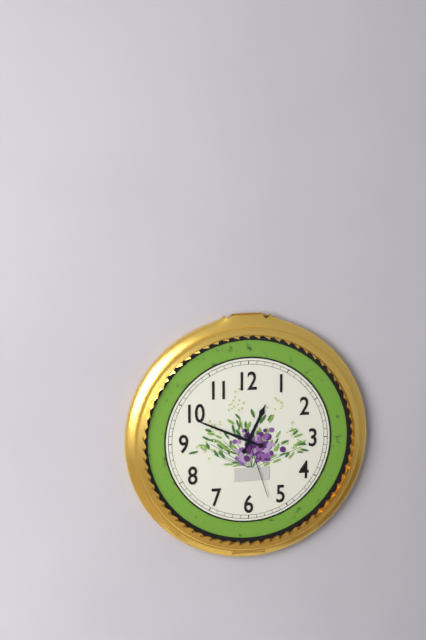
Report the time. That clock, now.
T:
12:49:27
